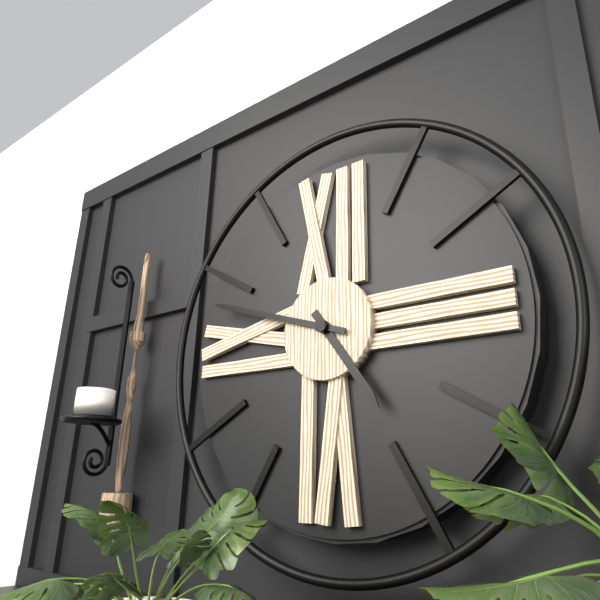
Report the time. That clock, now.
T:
4:48
